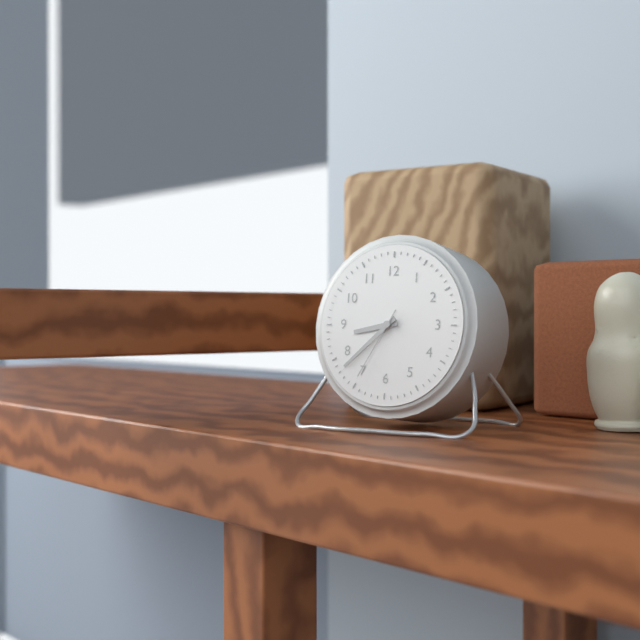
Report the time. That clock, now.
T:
8:38:35
